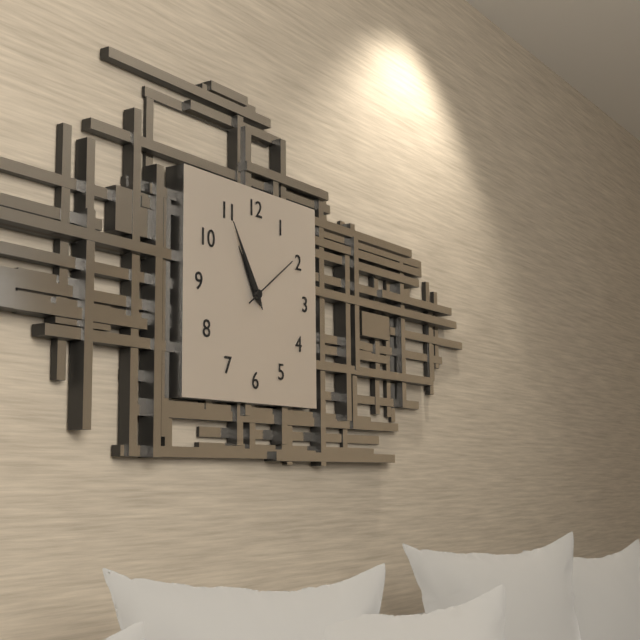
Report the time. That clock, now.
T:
10:55:09
